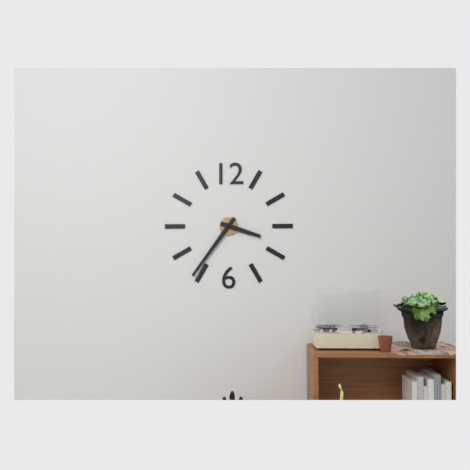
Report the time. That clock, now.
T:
3:36
